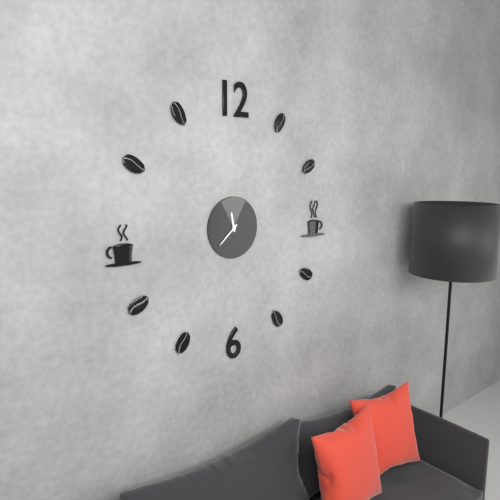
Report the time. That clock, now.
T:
11:38
